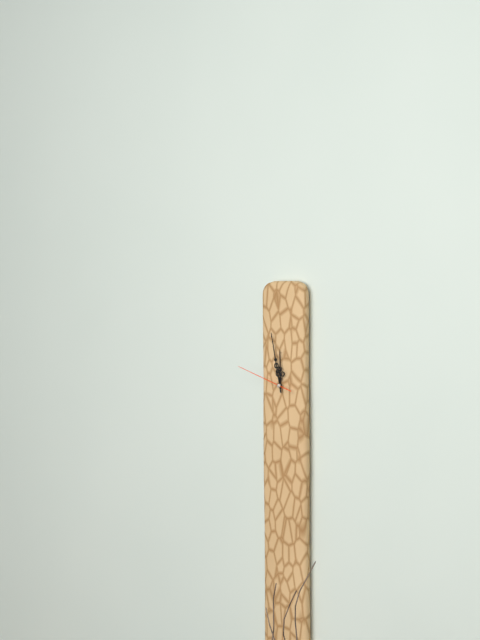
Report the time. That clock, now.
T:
11:58:48
